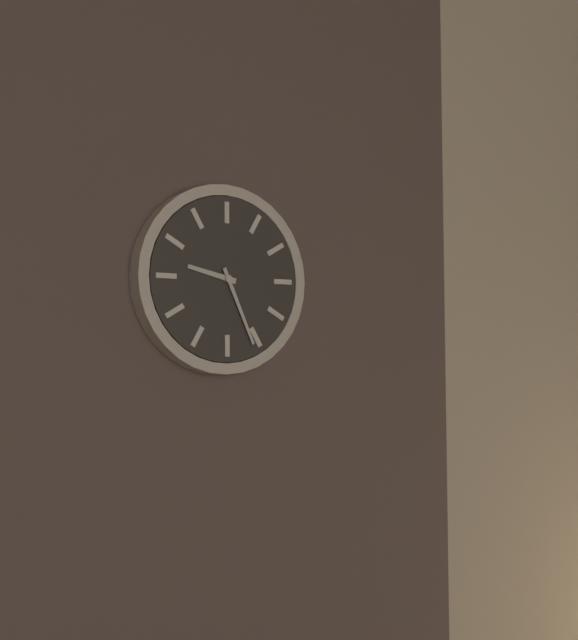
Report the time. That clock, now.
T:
9:26
